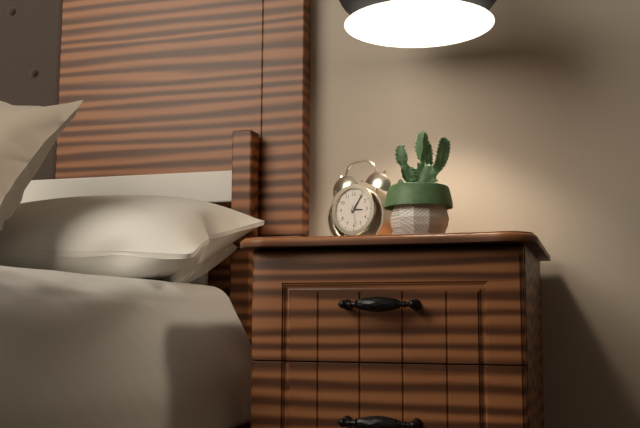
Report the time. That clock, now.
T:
3:06
